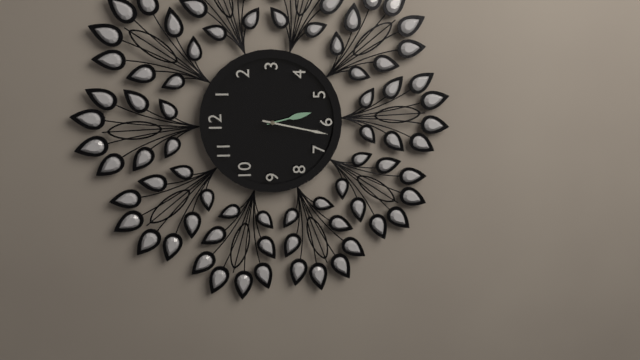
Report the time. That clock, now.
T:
5:32
